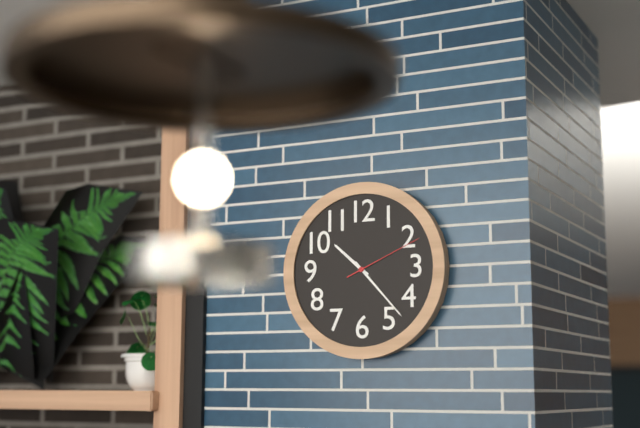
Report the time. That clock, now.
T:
10:23:11
